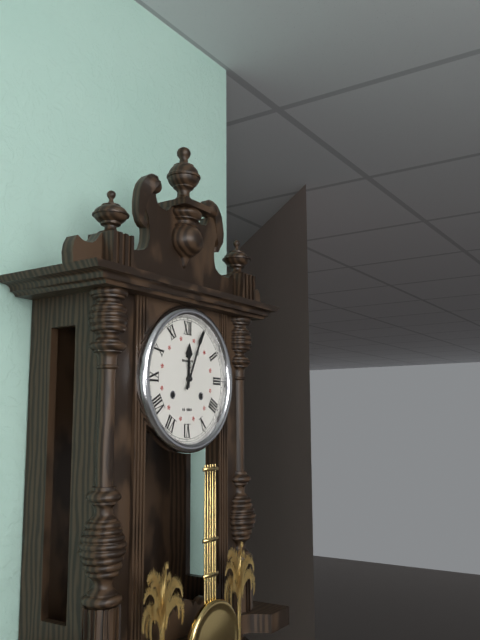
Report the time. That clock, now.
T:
12:04
